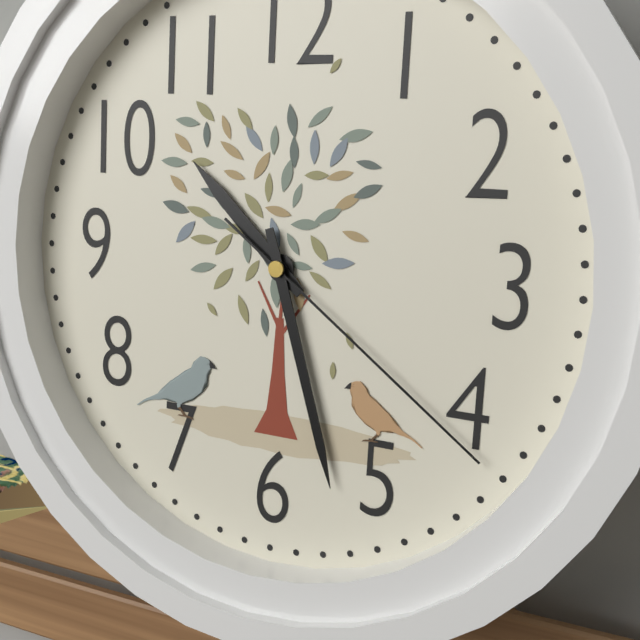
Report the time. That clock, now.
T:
10:27:21
